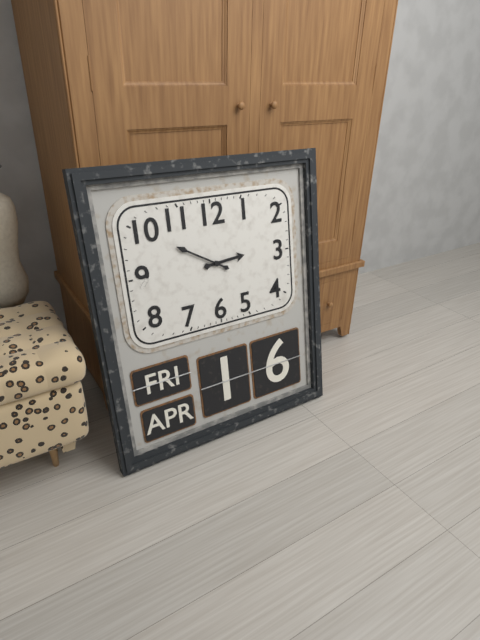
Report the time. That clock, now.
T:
2:50
